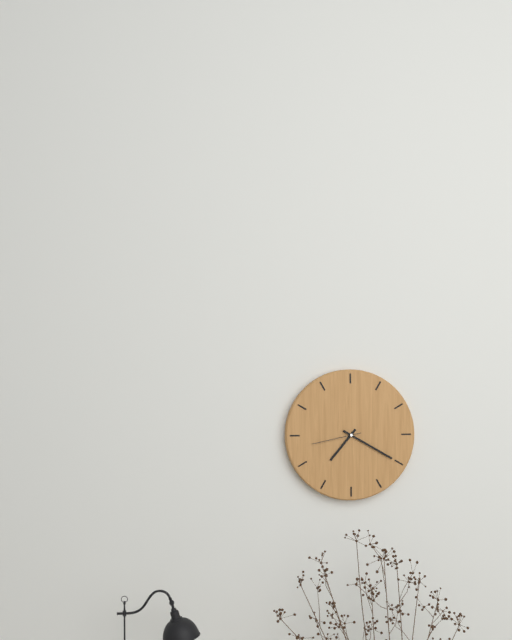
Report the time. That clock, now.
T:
7:20
